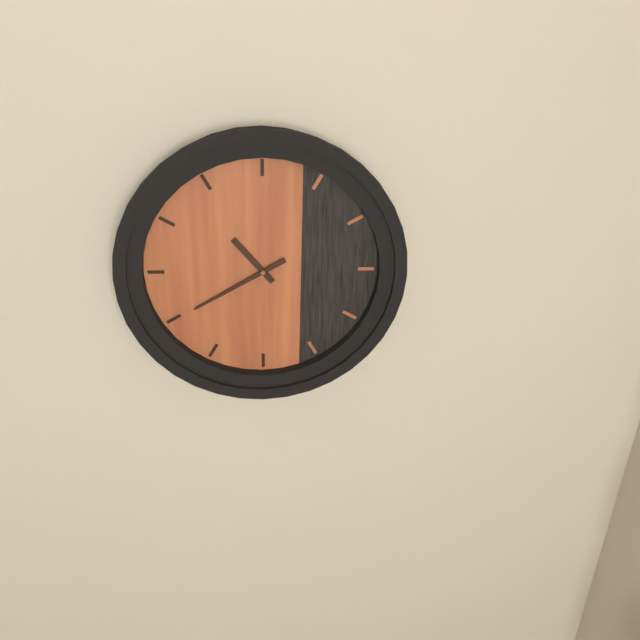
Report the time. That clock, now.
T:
10:40
